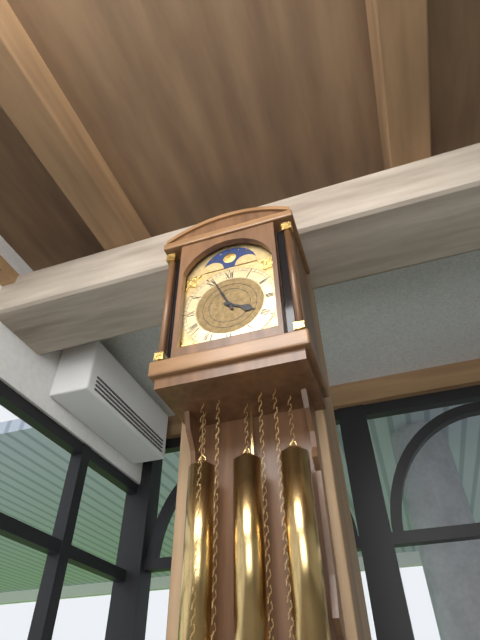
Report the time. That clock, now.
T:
3:56
